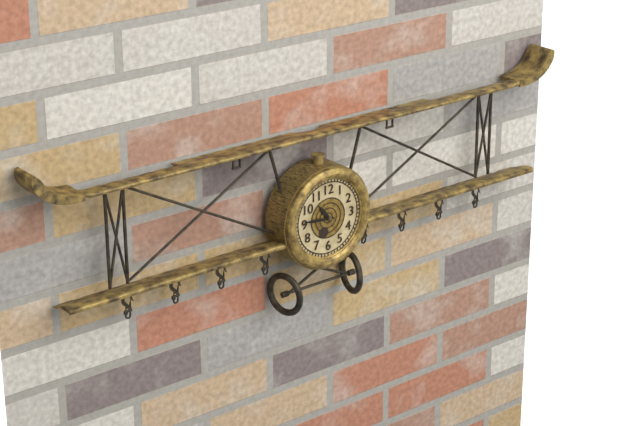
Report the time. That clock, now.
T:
10:46
